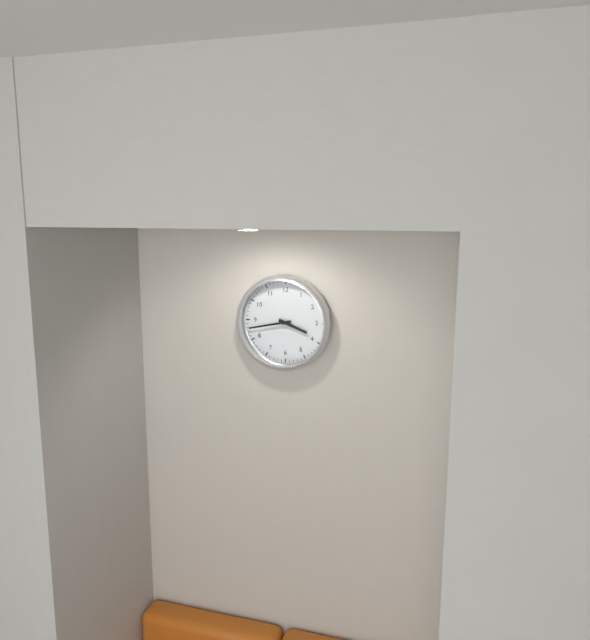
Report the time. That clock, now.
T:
3:43
